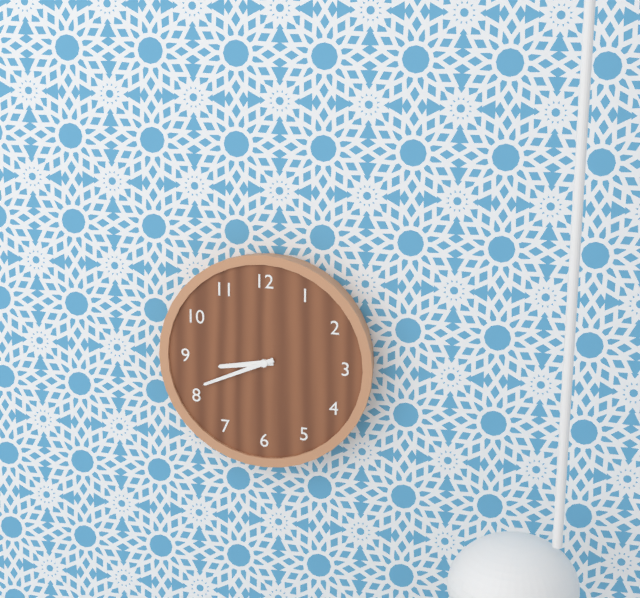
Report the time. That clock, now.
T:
8:41
